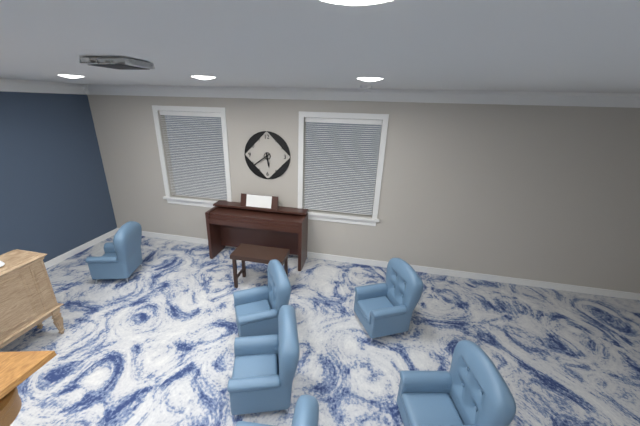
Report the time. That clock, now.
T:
5:39
